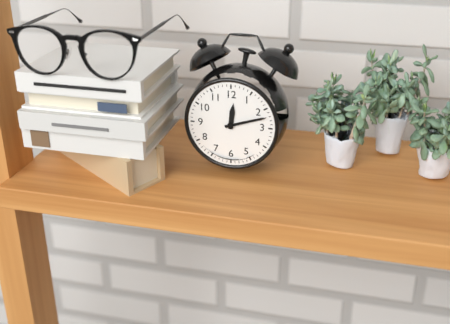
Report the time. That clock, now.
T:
12:12
